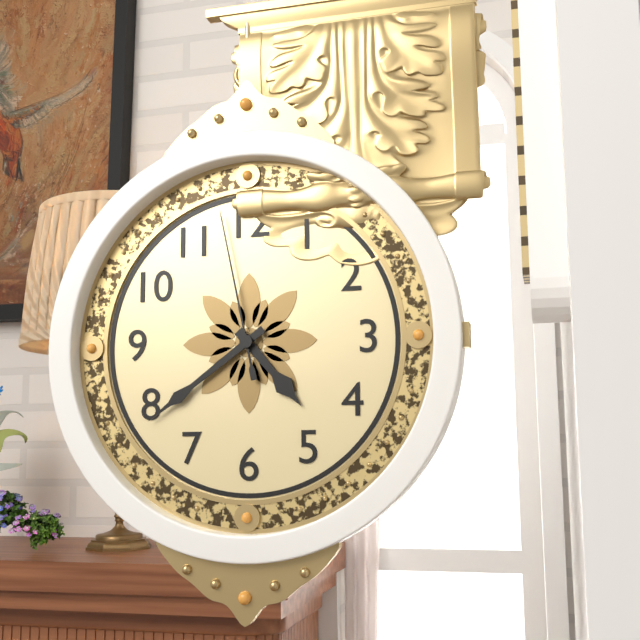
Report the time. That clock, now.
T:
4:39:58
